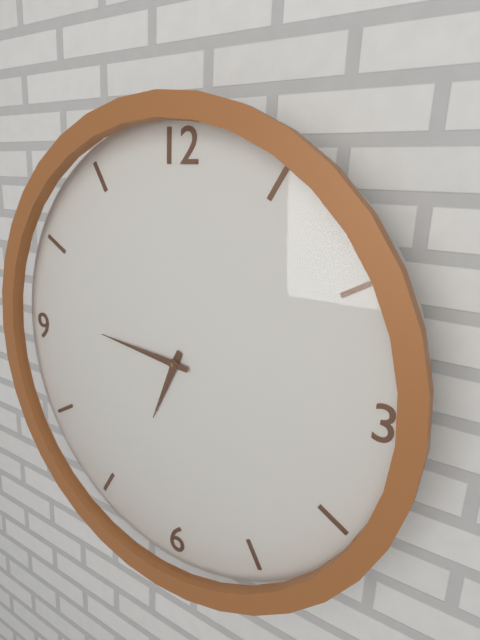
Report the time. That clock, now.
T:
6:46
